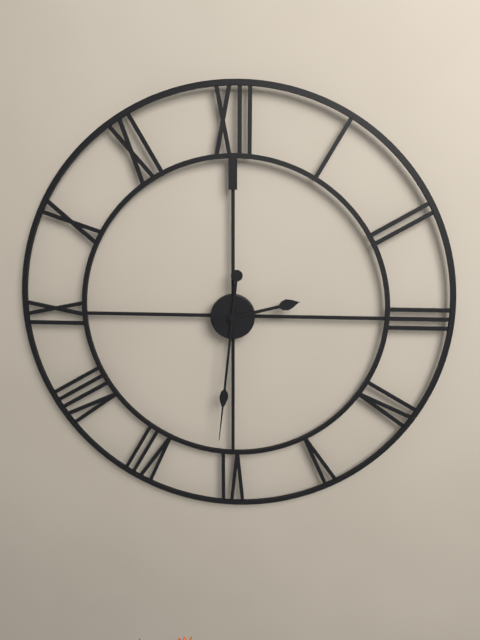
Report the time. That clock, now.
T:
2:31
